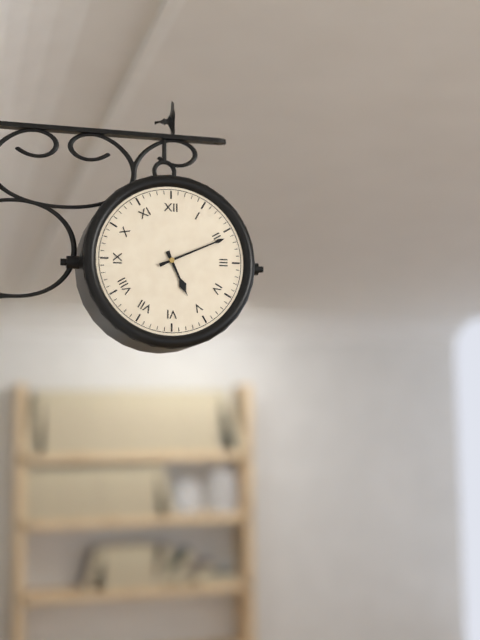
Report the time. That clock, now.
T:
5:11
